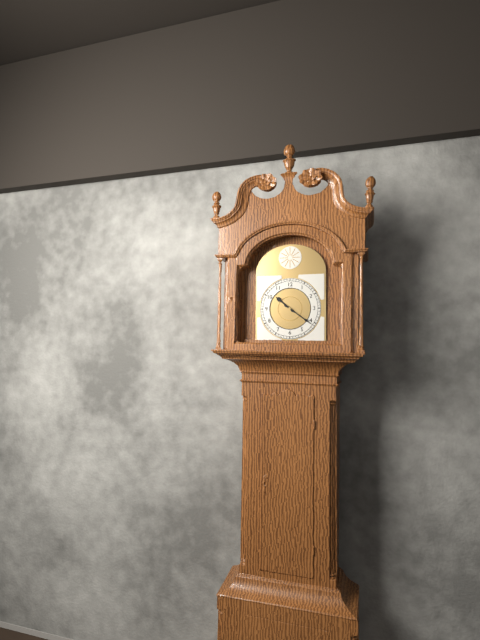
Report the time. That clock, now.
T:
10:21
